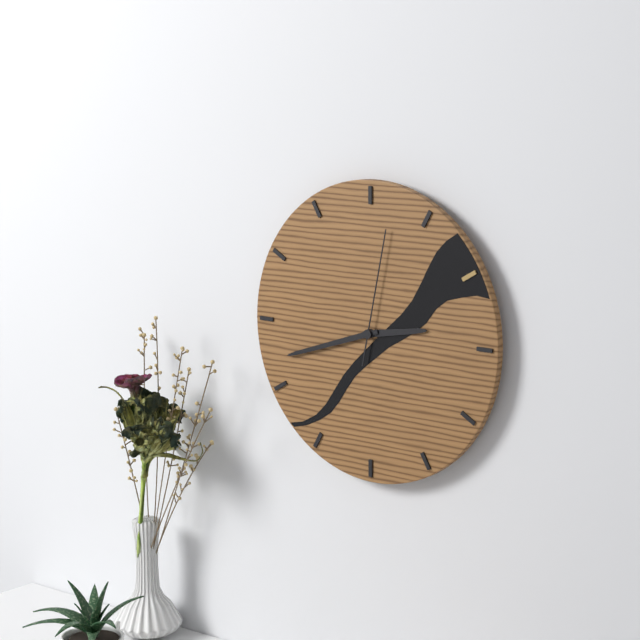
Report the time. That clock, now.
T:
2:42:02
